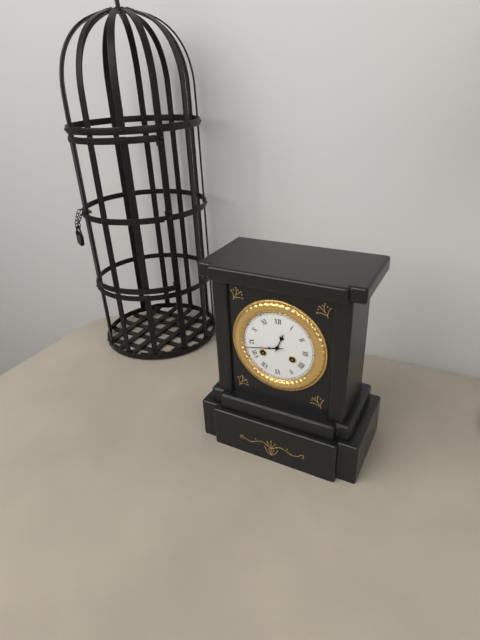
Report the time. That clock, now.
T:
12:43
